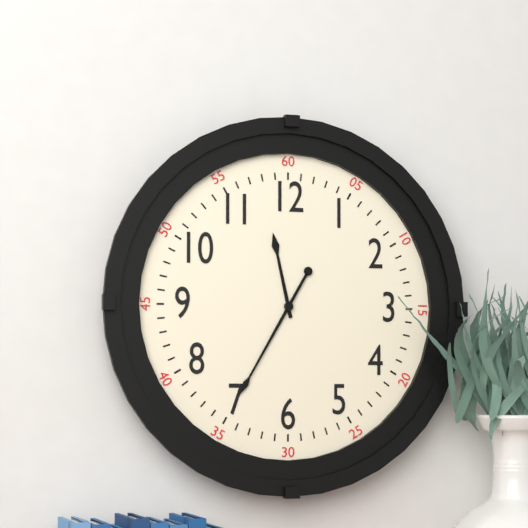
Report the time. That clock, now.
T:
11:35
